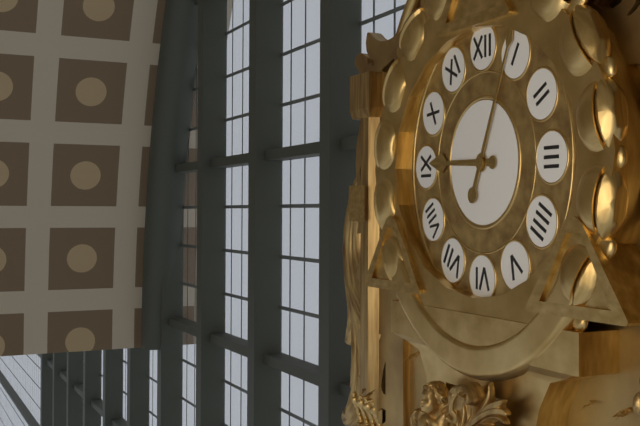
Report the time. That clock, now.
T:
9:04
